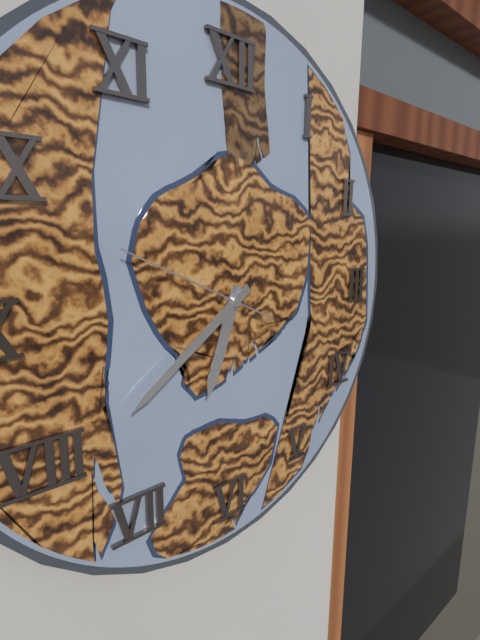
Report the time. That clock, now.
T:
6:39:49
